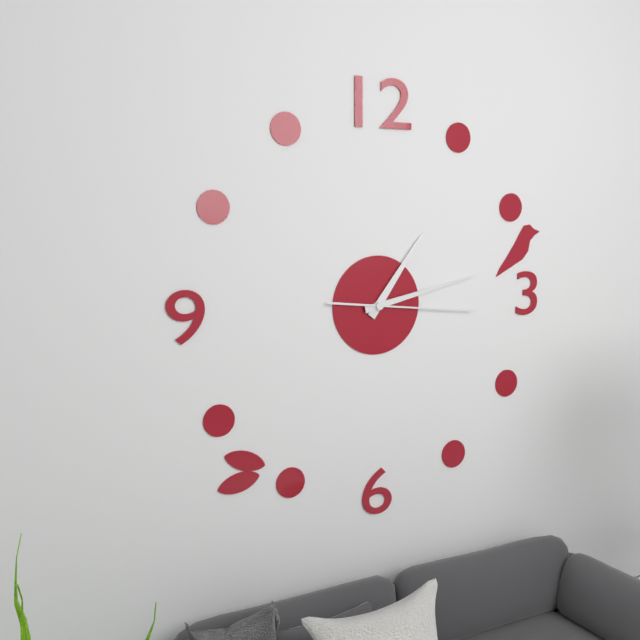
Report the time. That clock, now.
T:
1:13:16
